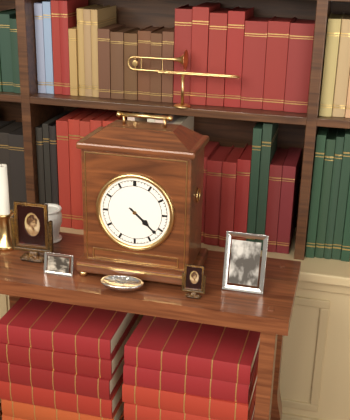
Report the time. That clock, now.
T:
4:22
